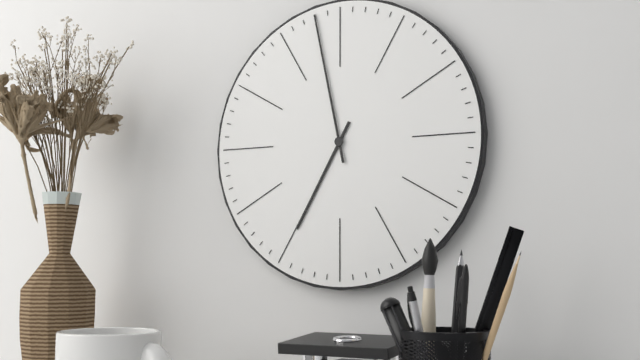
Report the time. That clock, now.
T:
6:58
